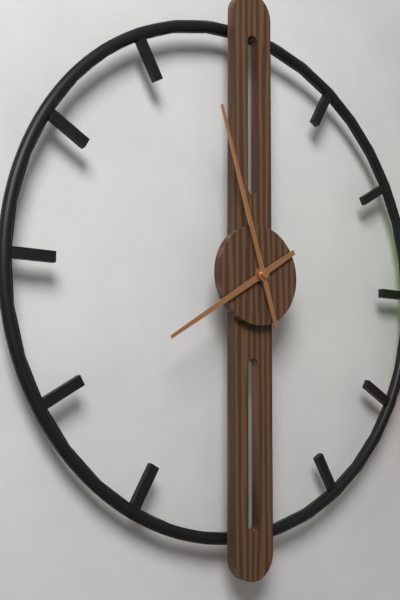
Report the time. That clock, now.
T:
7:57
